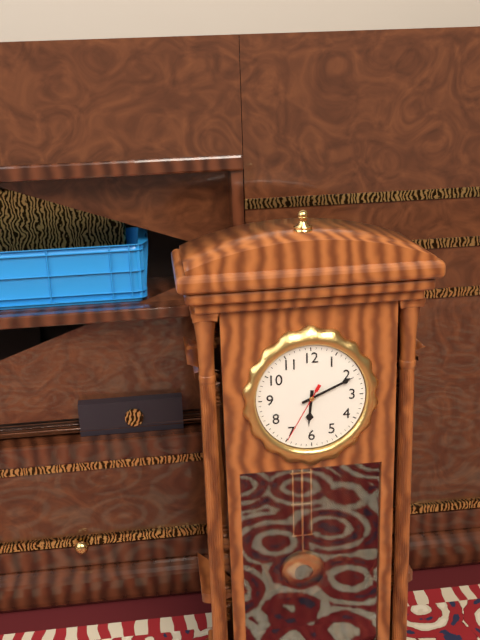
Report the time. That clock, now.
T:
6:11:35
